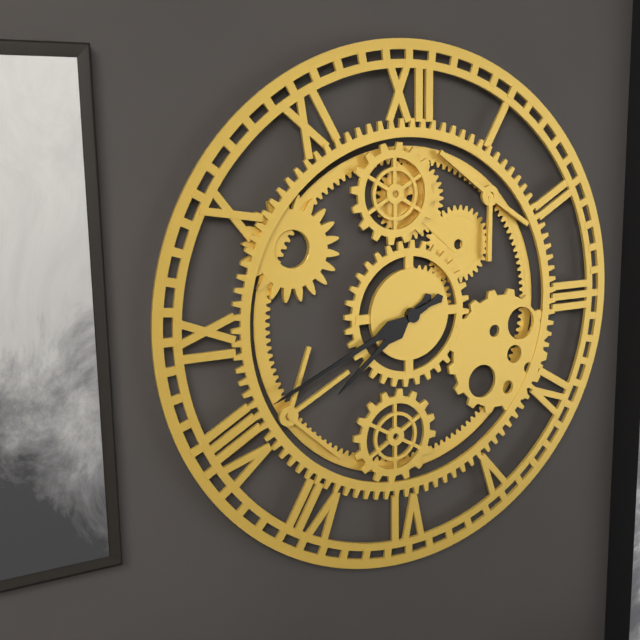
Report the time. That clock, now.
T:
7:41
